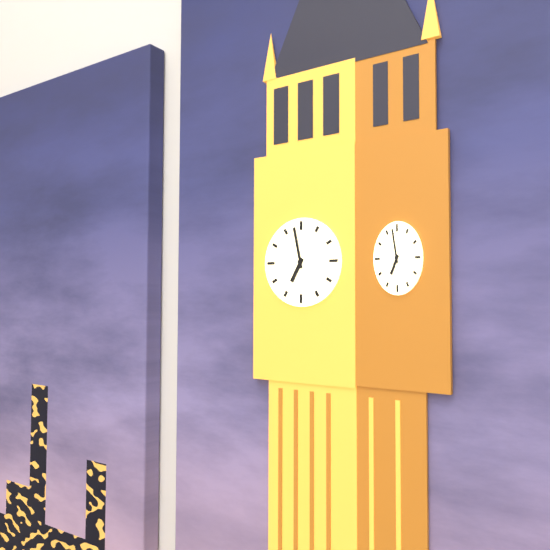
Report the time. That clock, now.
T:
6:58
